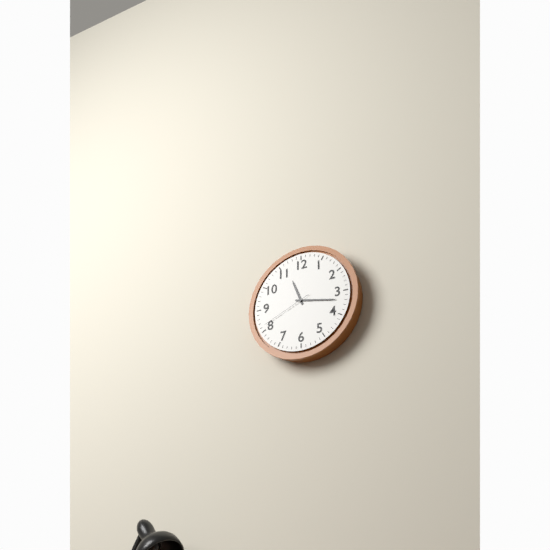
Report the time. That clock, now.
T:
11:17:41
